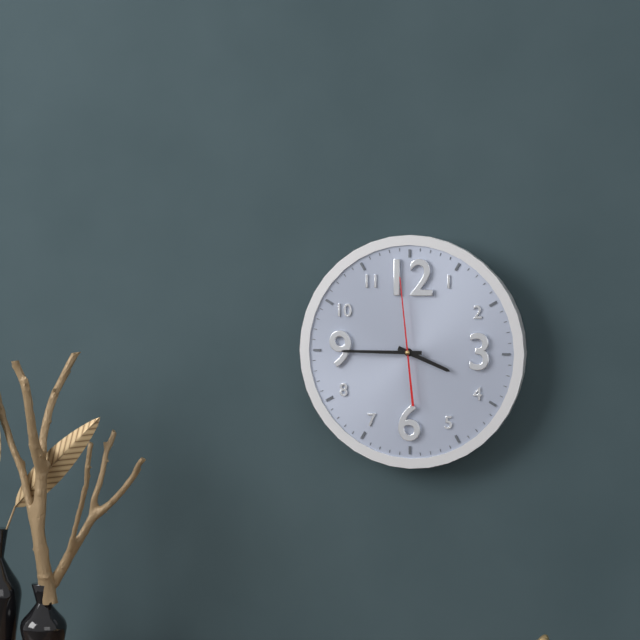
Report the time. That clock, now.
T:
3:45:59
